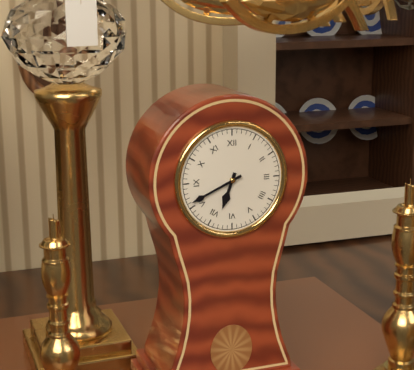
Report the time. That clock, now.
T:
6:41
